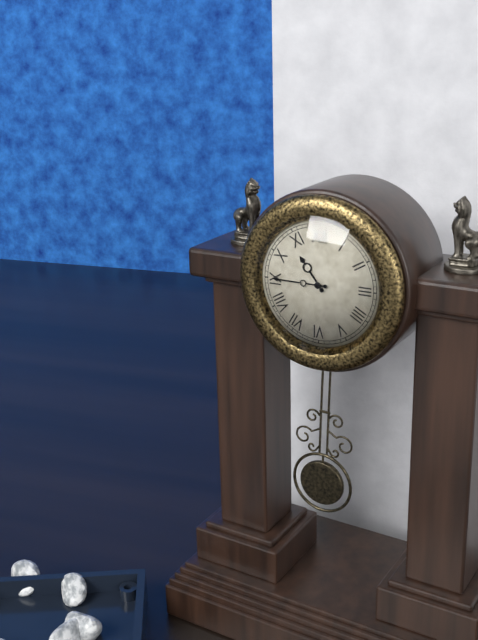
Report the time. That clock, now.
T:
10:45
